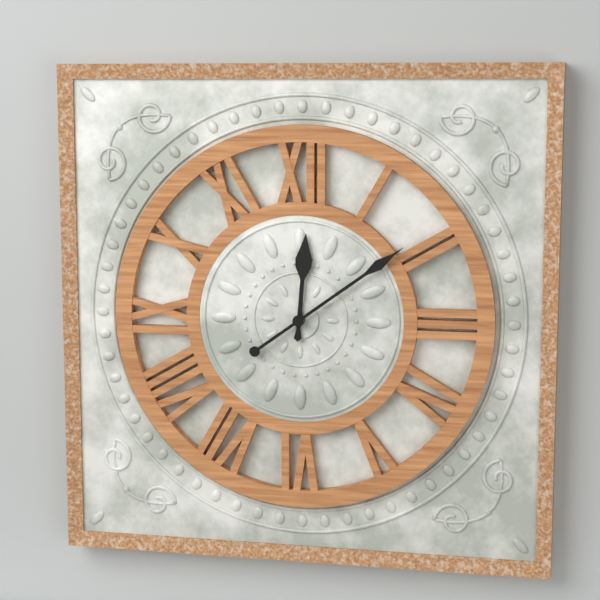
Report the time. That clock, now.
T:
12:09
